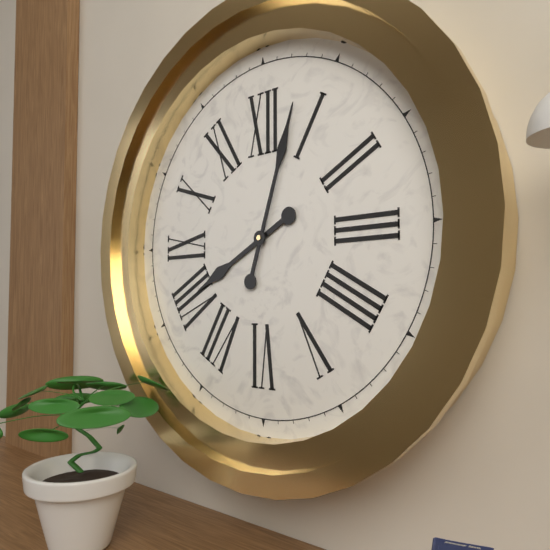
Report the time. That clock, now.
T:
8:03
